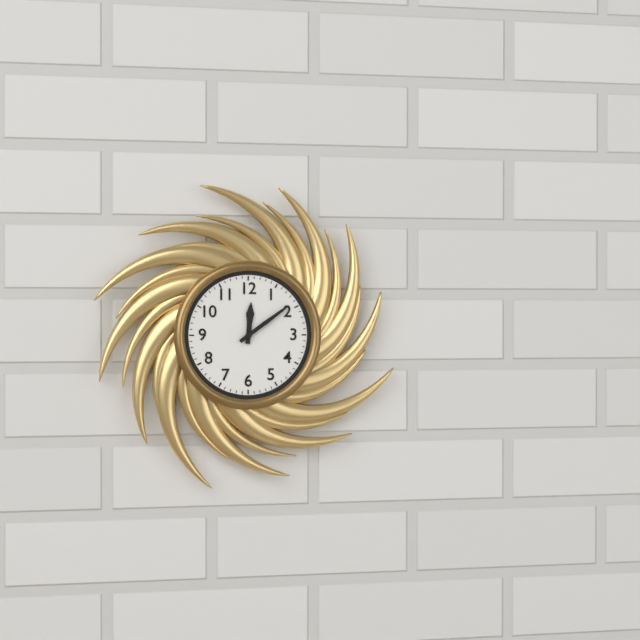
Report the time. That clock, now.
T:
12:09
